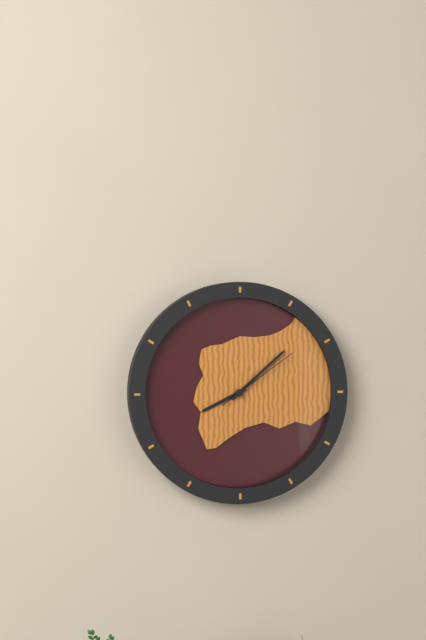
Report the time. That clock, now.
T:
8:08:09
